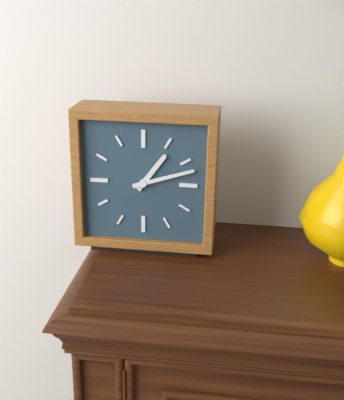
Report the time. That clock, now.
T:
1:12
